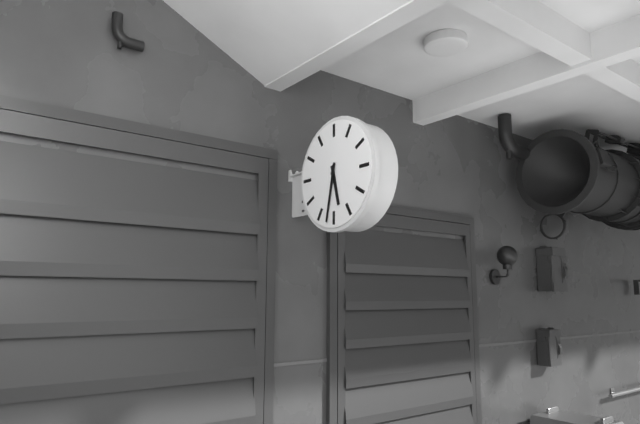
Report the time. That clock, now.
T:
5:32
